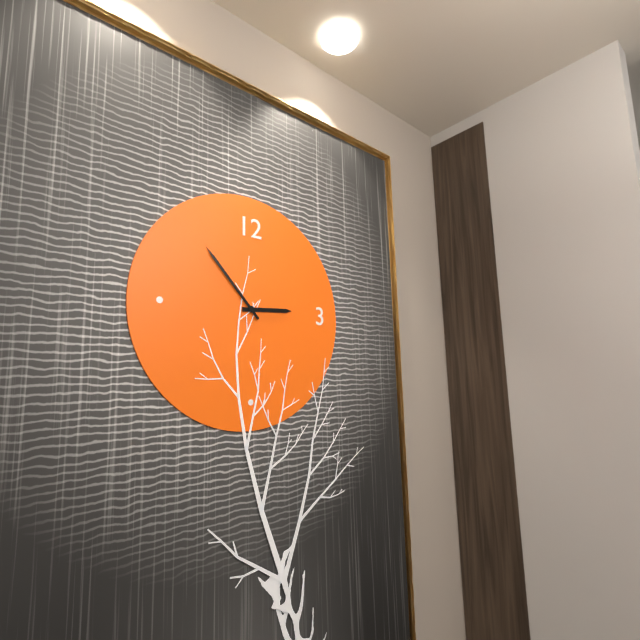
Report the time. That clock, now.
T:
2:53
